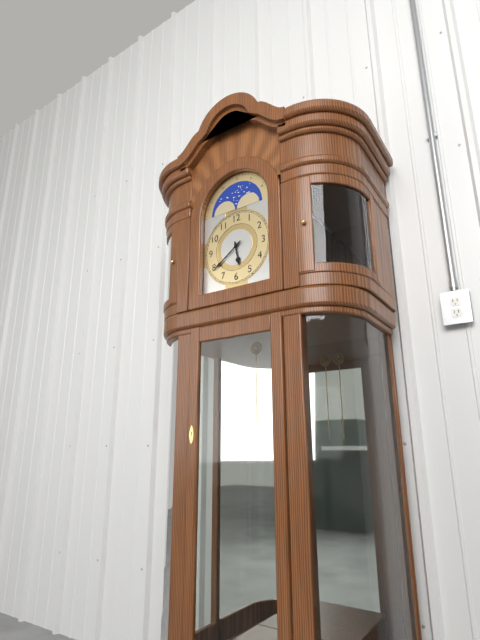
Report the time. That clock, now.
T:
5:39
